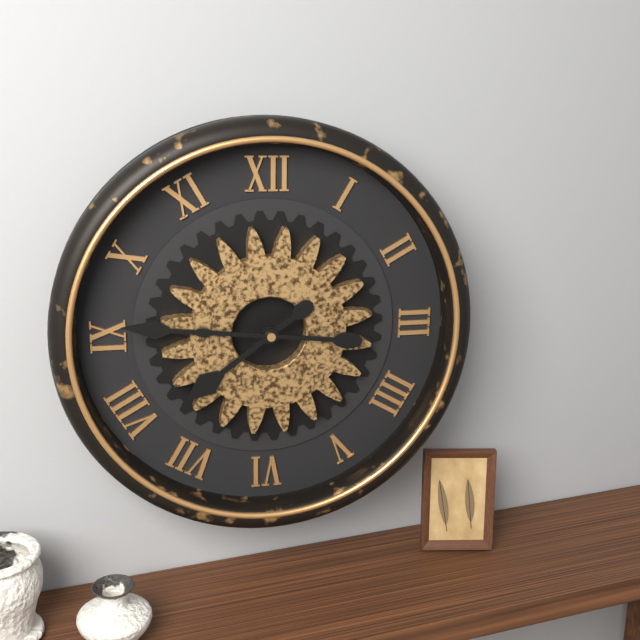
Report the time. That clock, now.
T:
7:46
